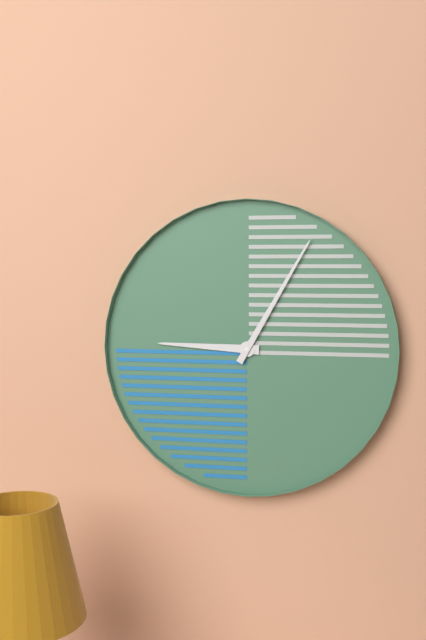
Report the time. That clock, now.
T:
9:05
